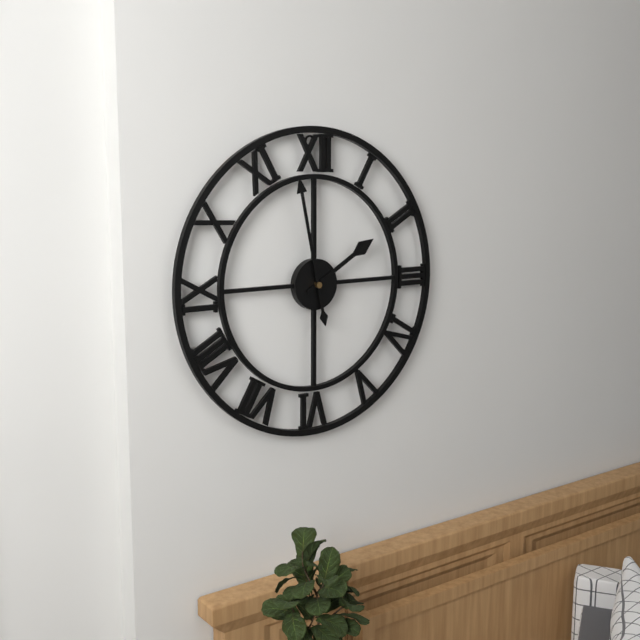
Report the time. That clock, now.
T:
1:58
